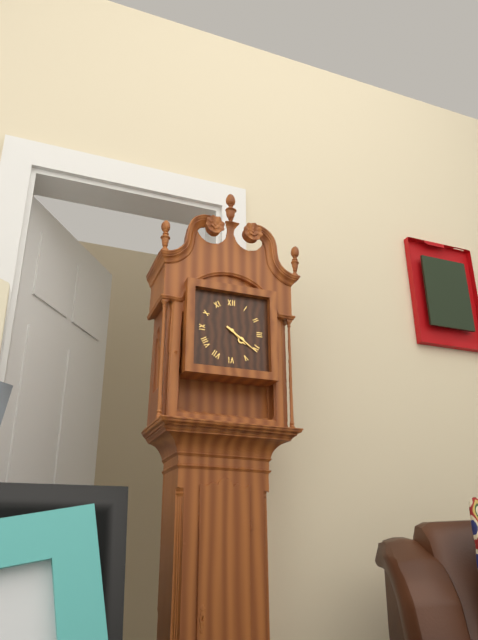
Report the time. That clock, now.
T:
4:21
